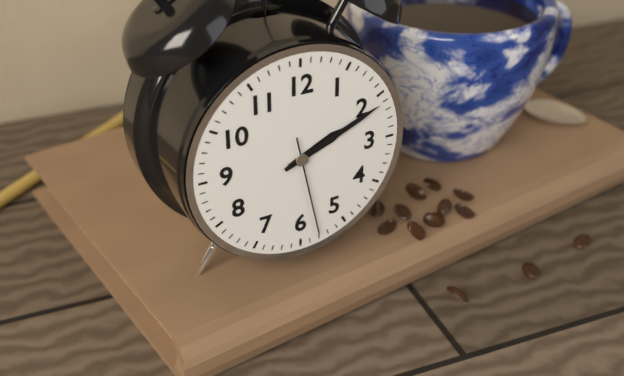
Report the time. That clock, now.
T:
2:11:28
